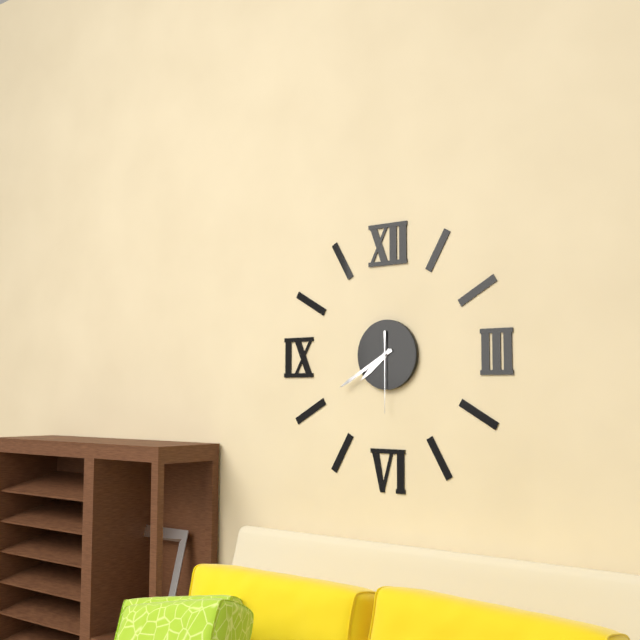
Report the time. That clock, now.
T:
7:40:30
